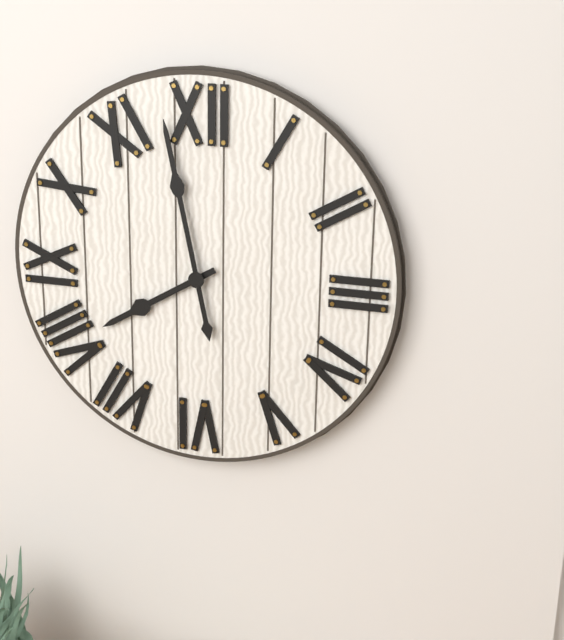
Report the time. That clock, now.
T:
7:58
